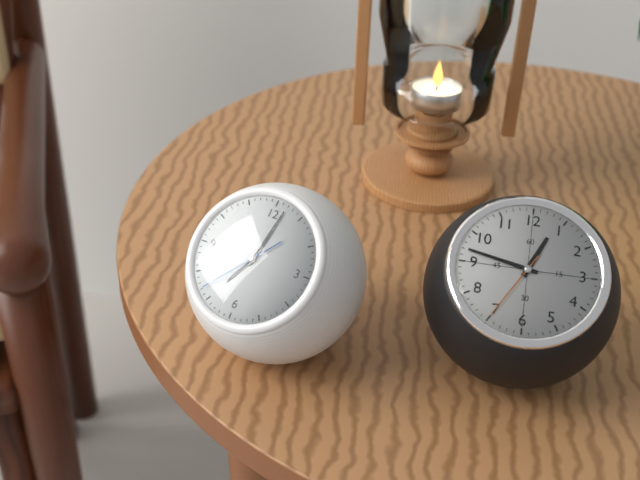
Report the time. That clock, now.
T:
7:02:37
